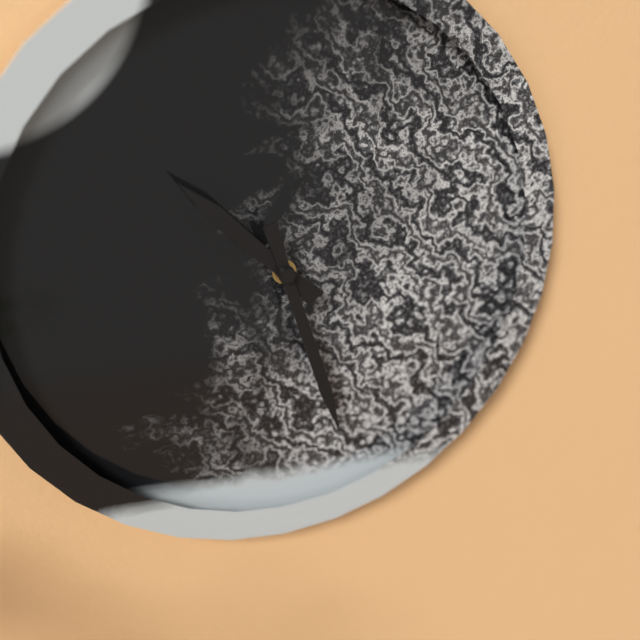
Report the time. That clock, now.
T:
10:27
